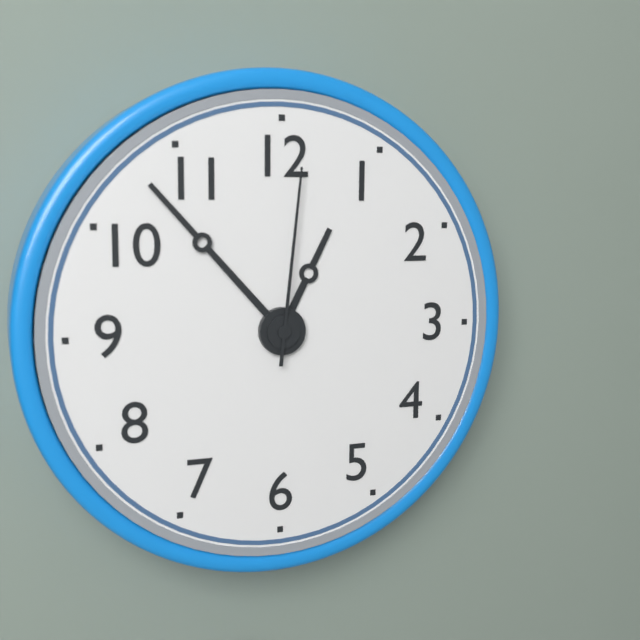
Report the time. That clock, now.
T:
12:53:01
